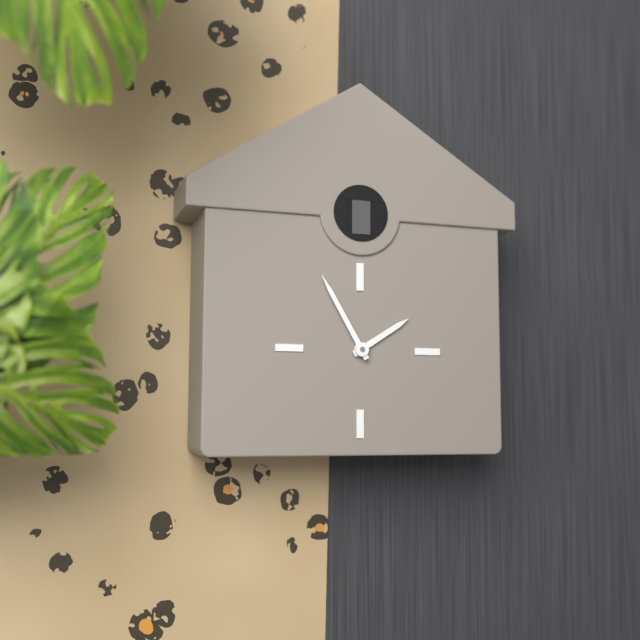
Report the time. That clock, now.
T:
1:55
